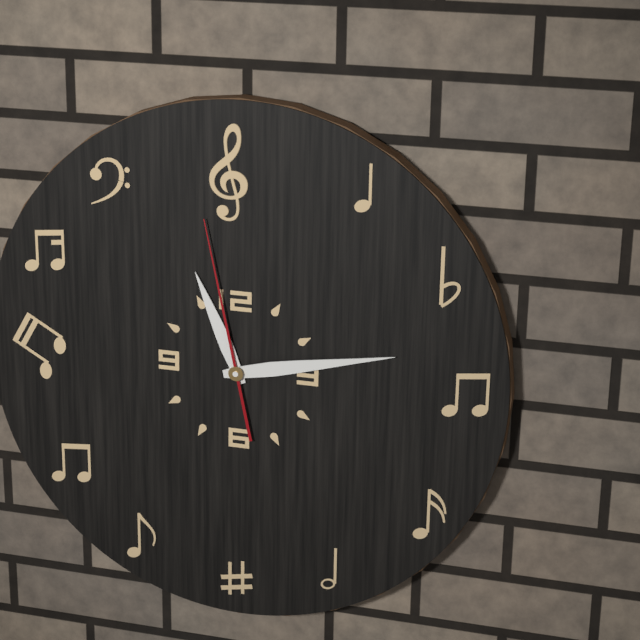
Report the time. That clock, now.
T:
11:13:58
